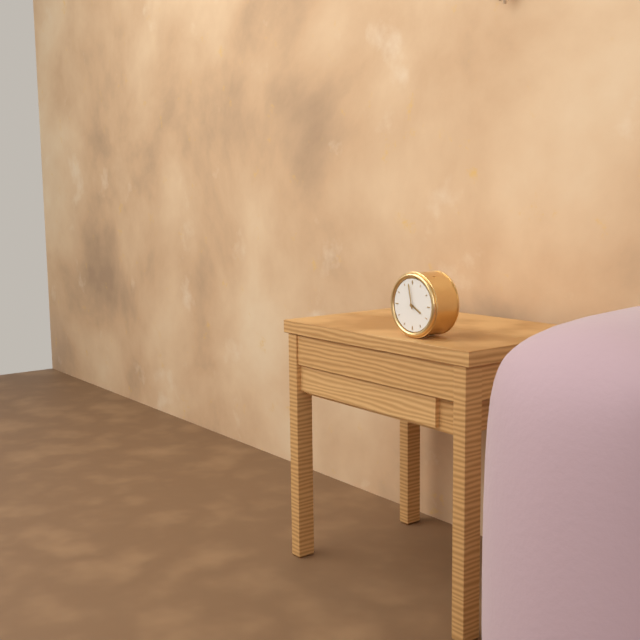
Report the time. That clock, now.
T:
3:58
